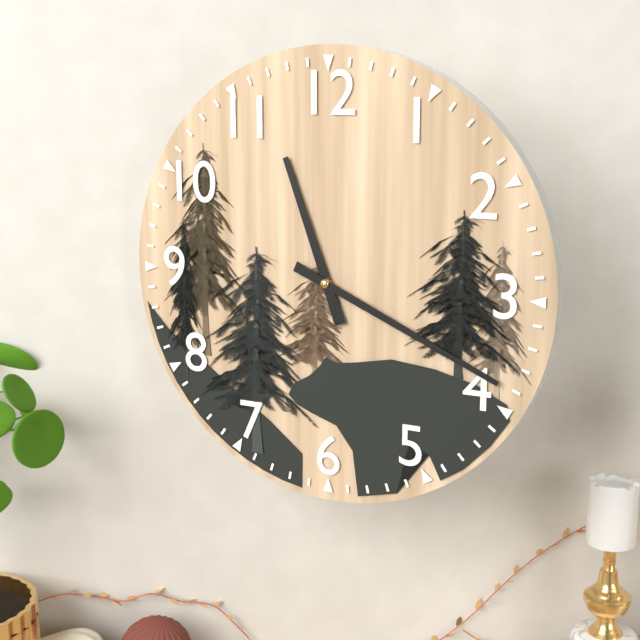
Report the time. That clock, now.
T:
11:19
